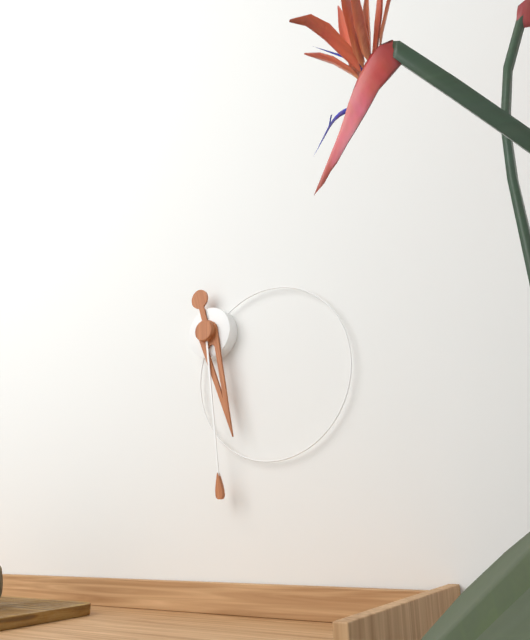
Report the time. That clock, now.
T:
5:29
